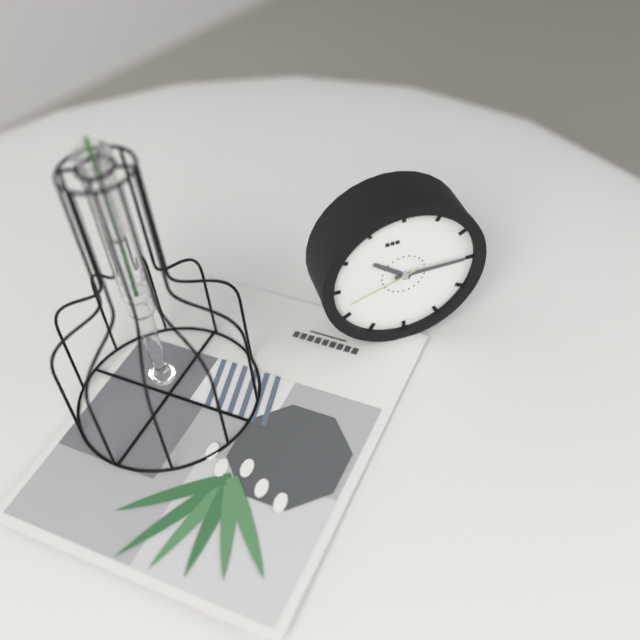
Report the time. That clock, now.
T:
10:15:42
